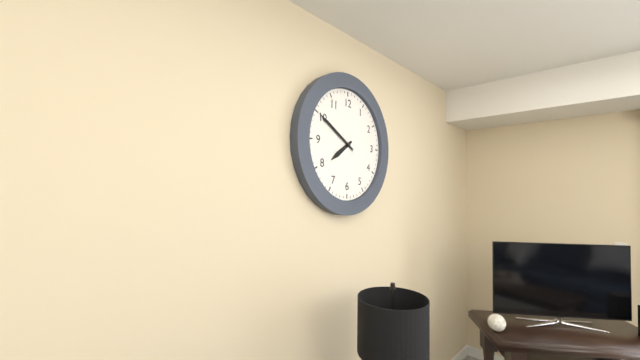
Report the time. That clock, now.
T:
7:50
